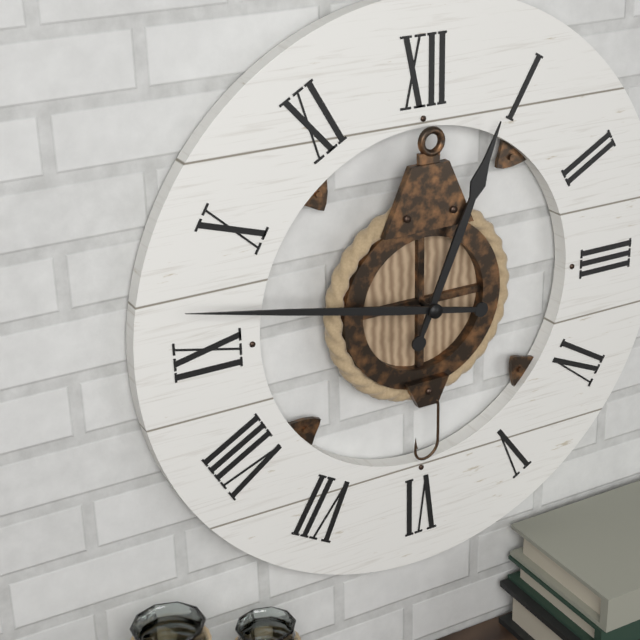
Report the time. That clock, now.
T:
12:47
